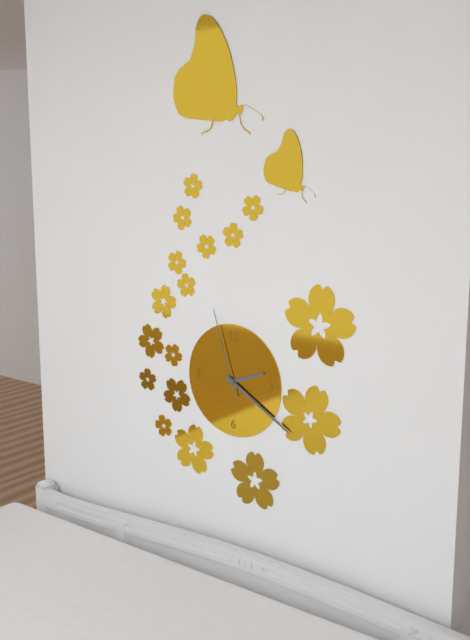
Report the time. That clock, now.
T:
2:20:57
